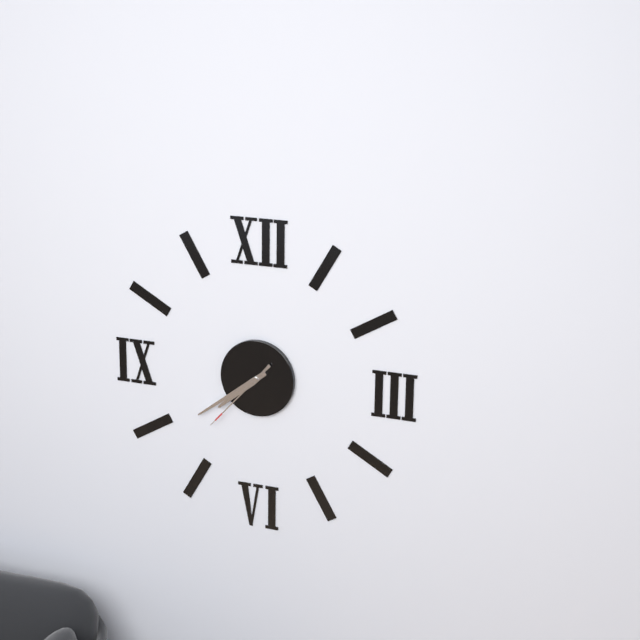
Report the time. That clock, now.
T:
7:39:37
